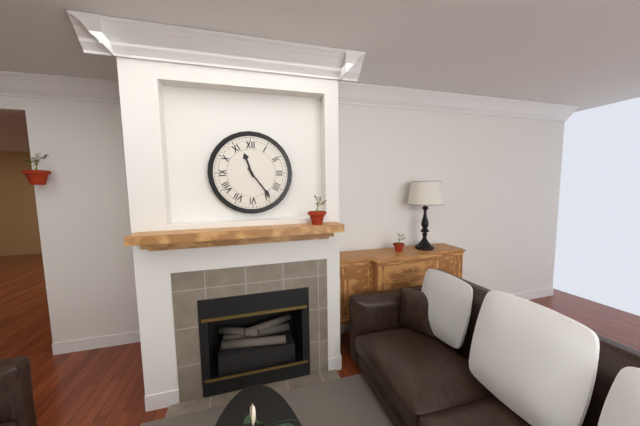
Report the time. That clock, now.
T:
11:24
